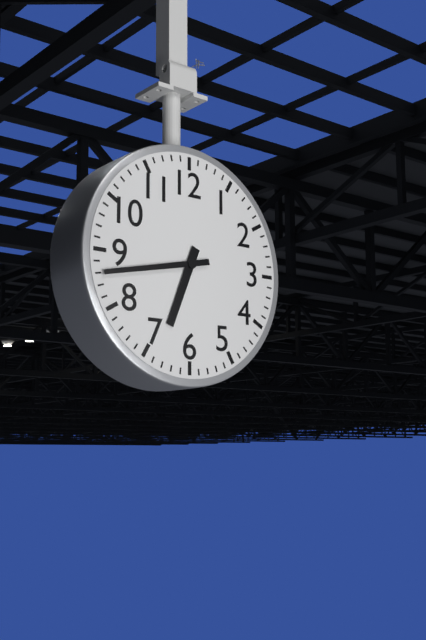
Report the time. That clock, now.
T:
6:43
